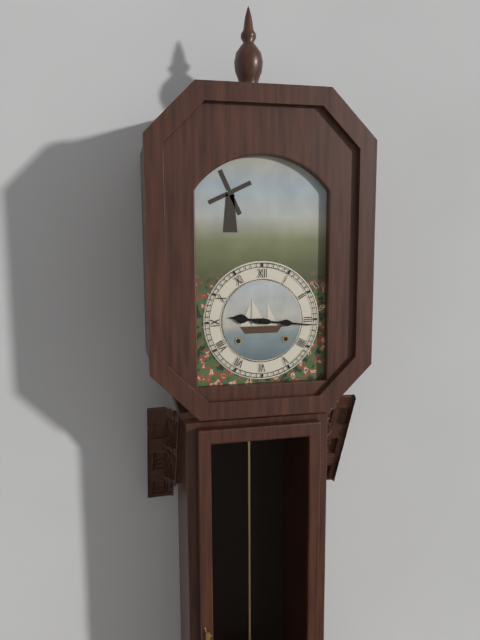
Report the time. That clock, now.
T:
9:16
